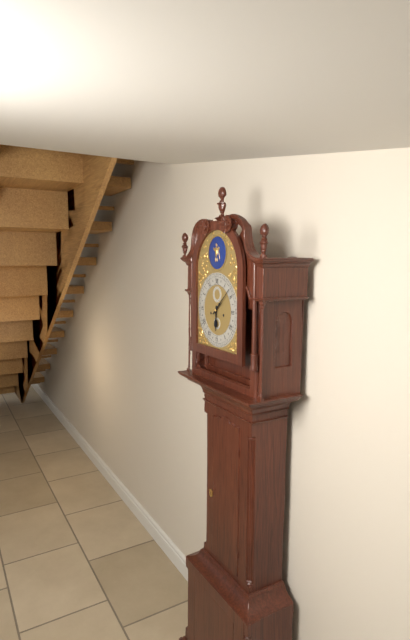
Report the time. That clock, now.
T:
6:08
